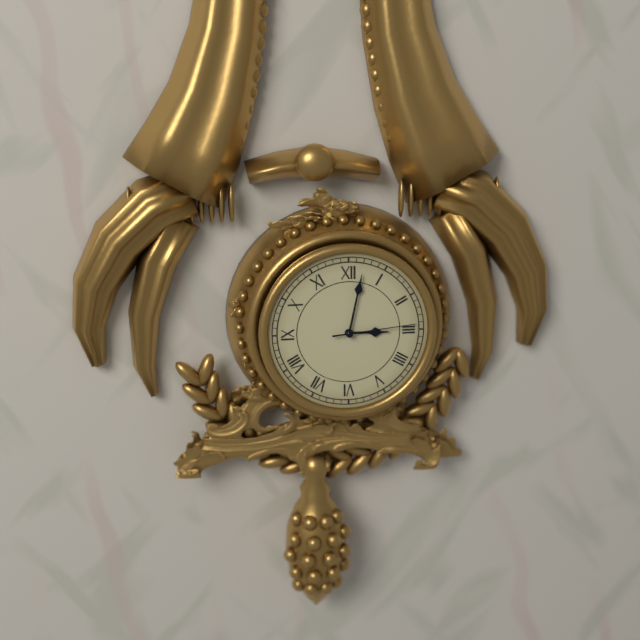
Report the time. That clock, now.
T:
3:02:14
